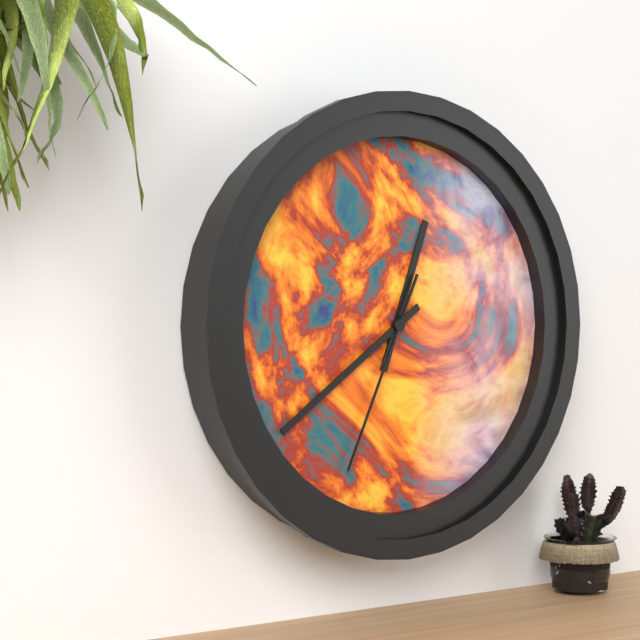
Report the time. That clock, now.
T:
12:39:34
